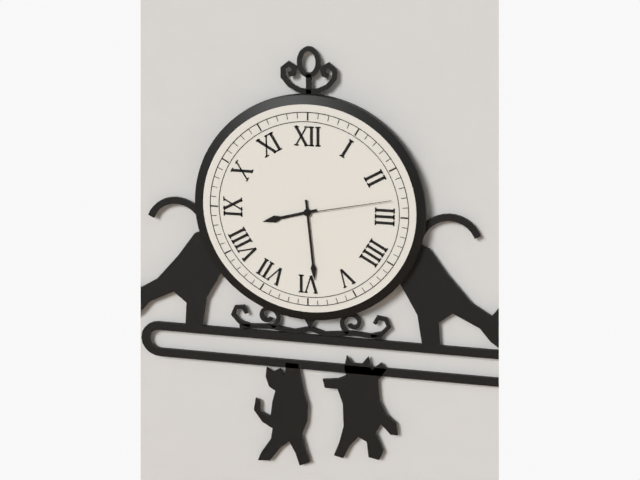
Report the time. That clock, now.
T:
8:29:13
